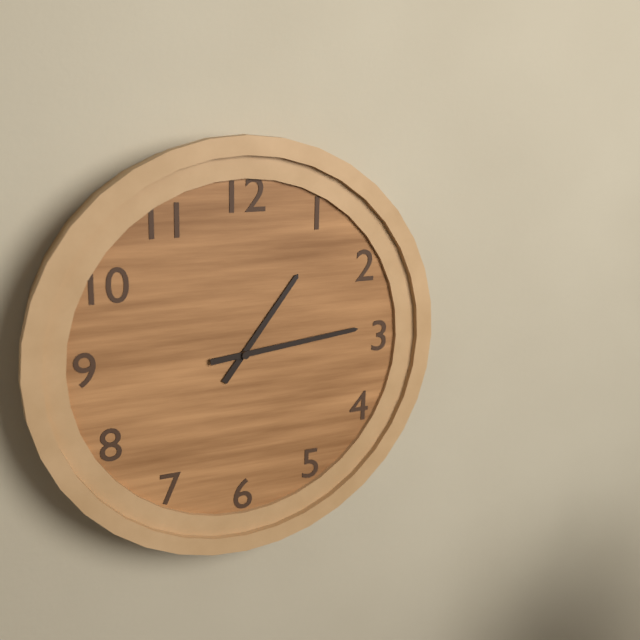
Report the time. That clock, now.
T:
1:14
